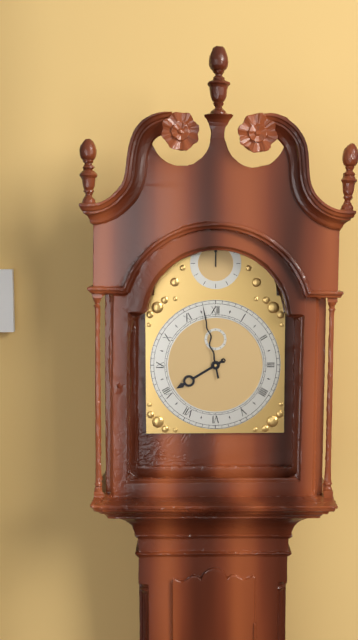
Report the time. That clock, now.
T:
7:58
